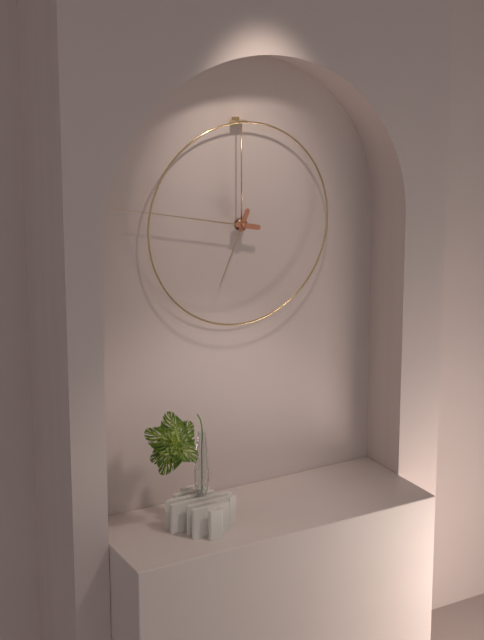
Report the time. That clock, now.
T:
6:47
